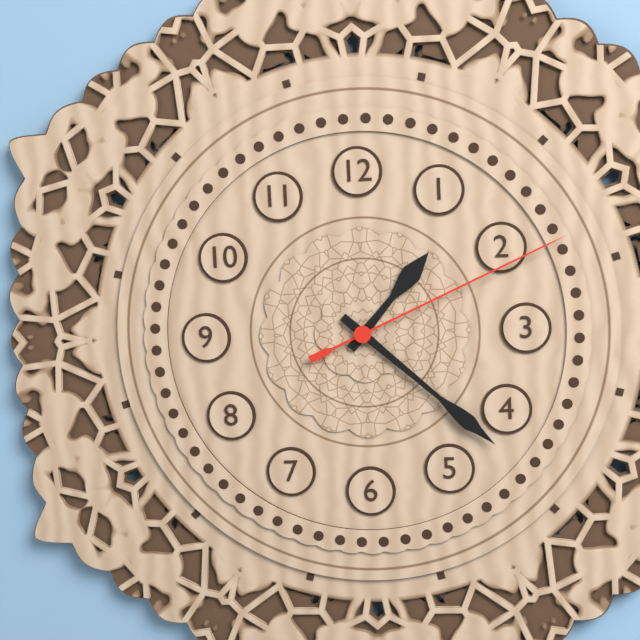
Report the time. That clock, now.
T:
1:22:11
